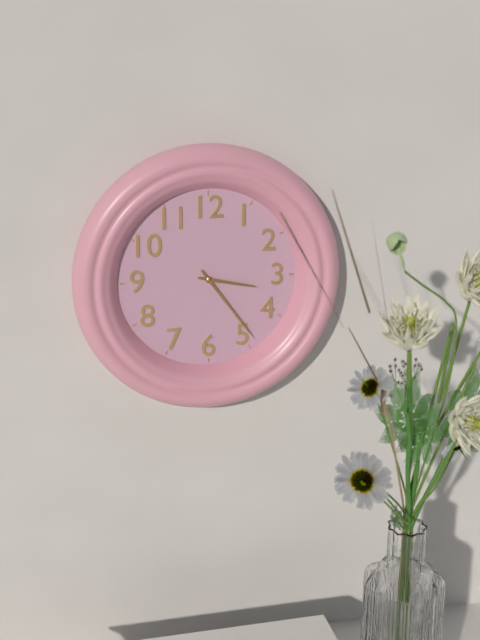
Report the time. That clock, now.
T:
3:24
